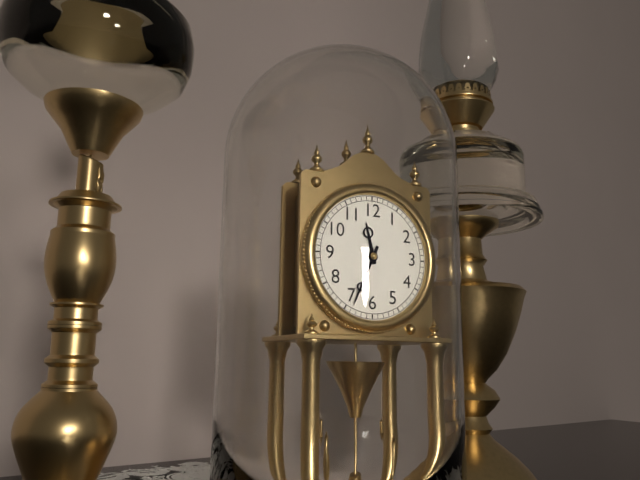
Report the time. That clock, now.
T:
11:34
